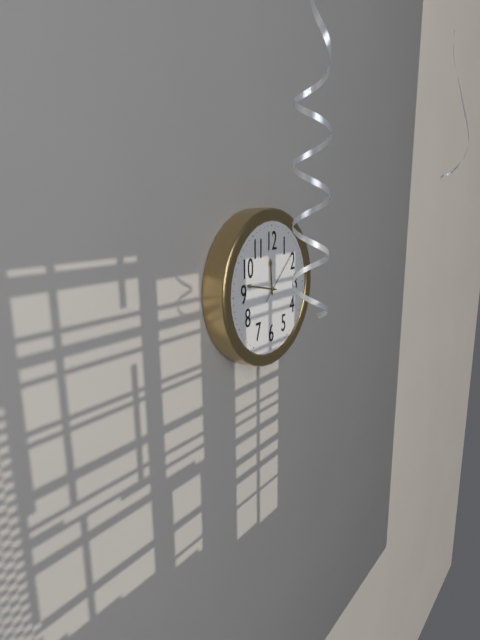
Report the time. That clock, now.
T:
11:47:08
